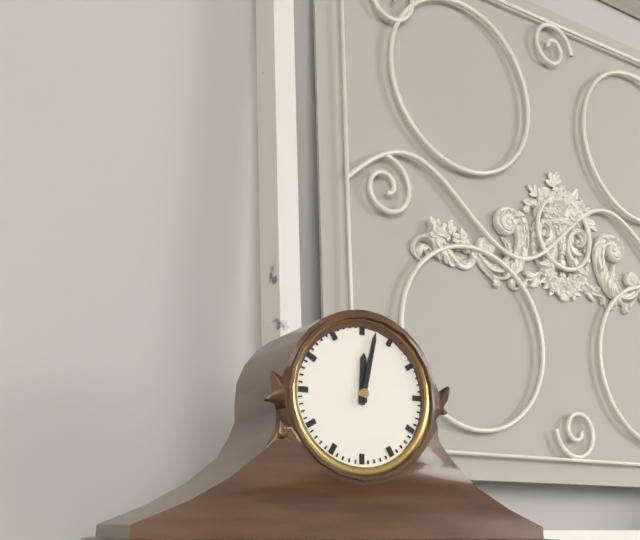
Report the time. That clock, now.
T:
12:02
